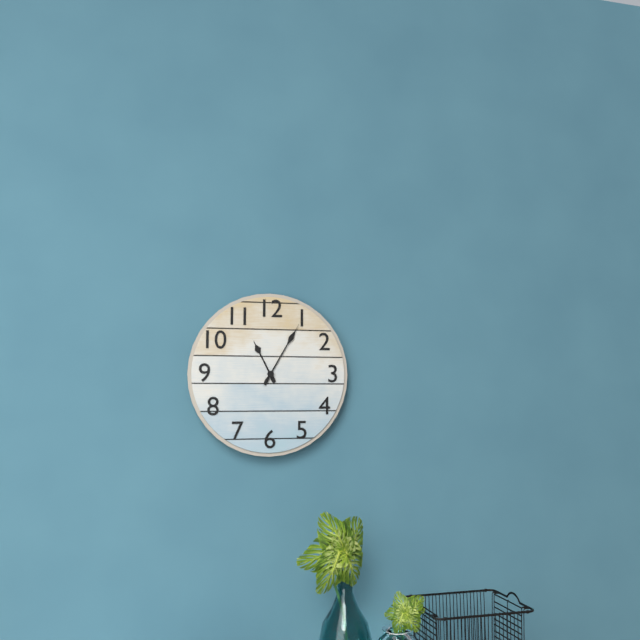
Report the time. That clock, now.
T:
11:05
